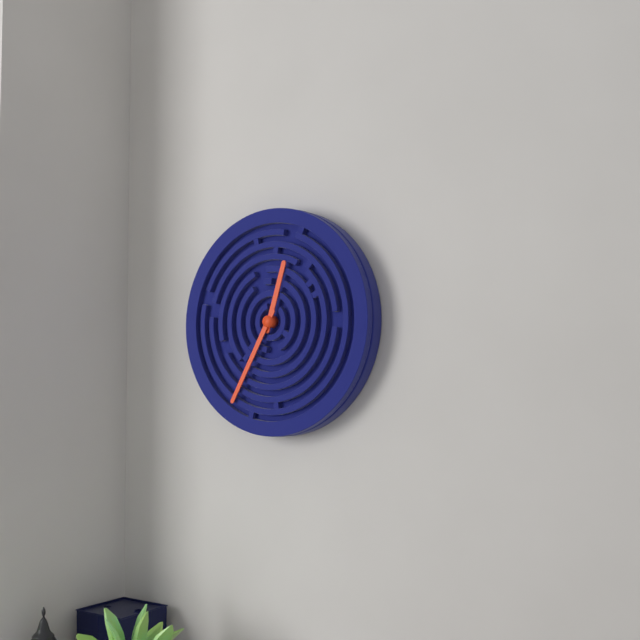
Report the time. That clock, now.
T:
12:35
